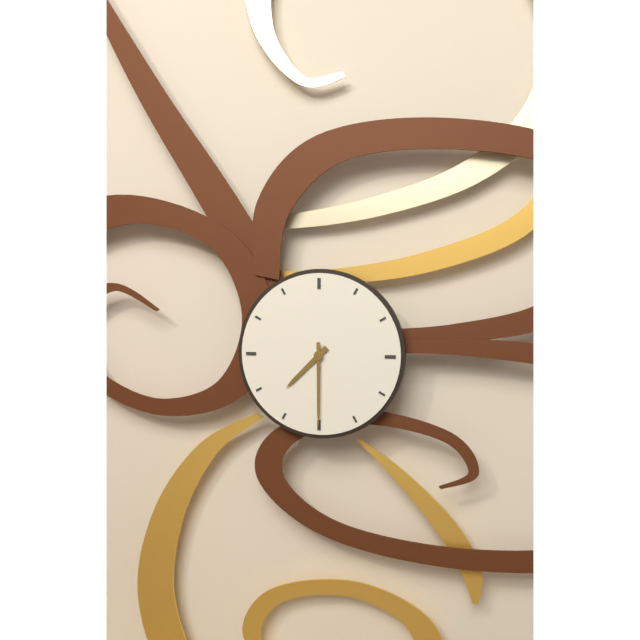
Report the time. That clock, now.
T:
7:30
